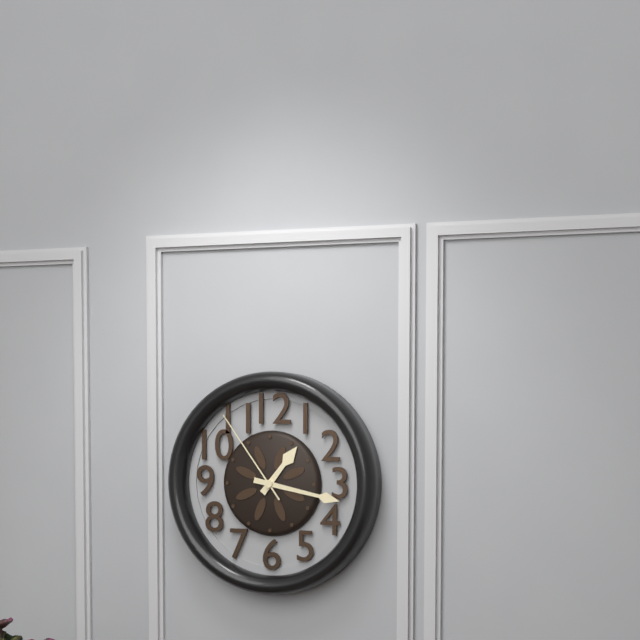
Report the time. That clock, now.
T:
1:17:54
